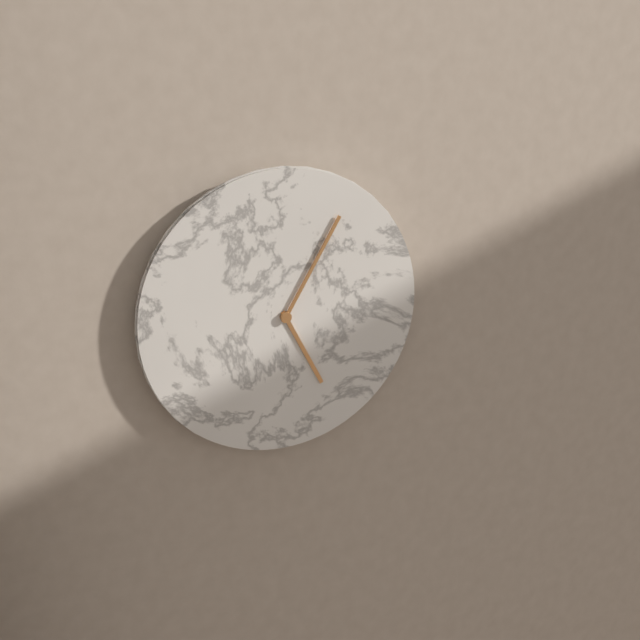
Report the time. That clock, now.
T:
5:05
